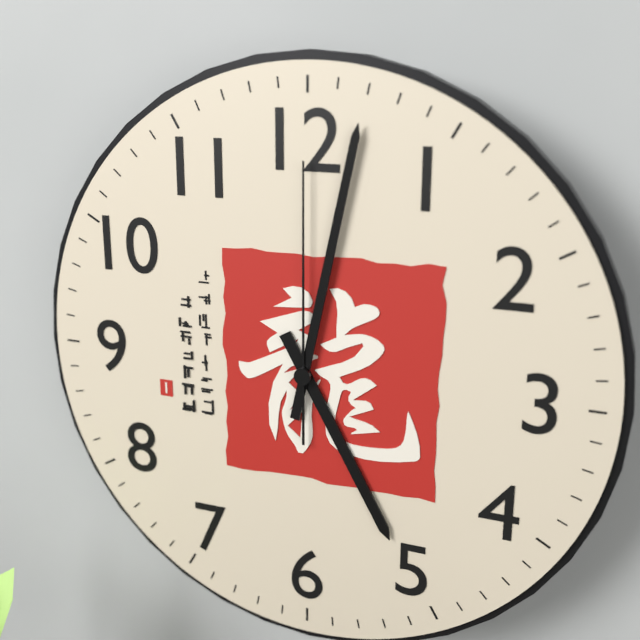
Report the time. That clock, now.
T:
5:02:00
